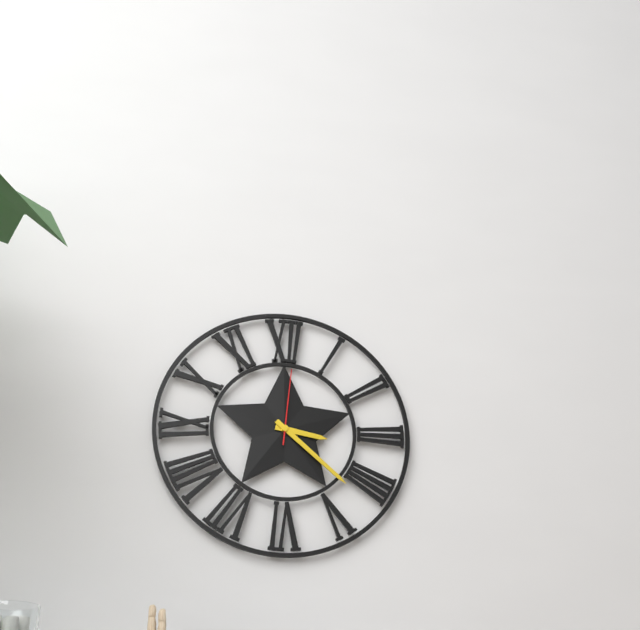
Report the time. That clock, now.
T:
3:22:01
